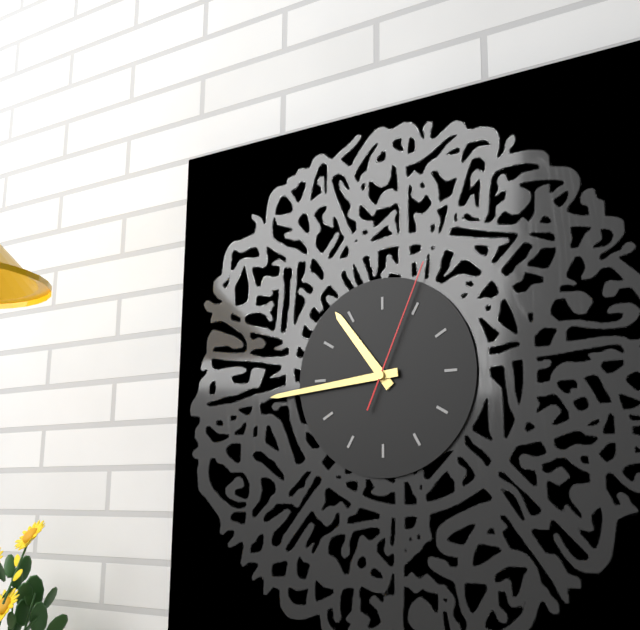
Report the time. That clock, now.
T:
10:44:04
